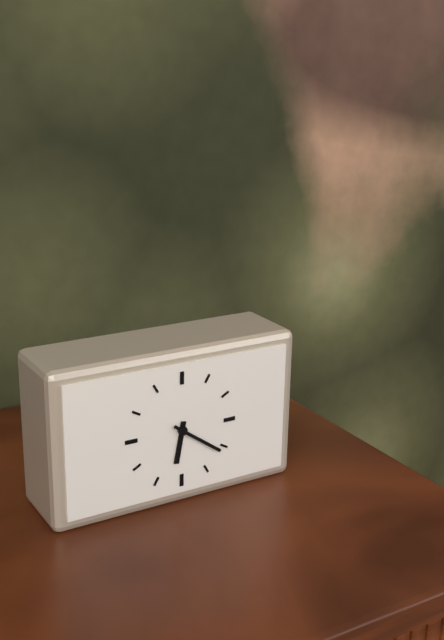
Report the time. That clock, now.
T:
6:21
